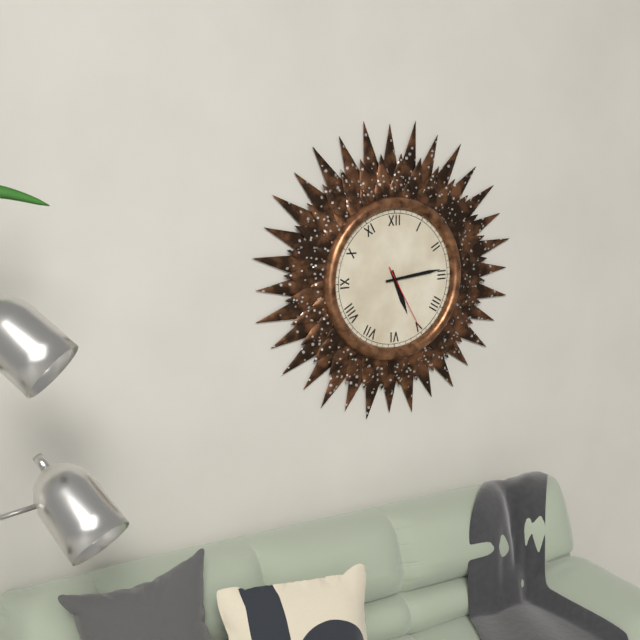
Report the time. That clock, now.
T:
5:14:25
